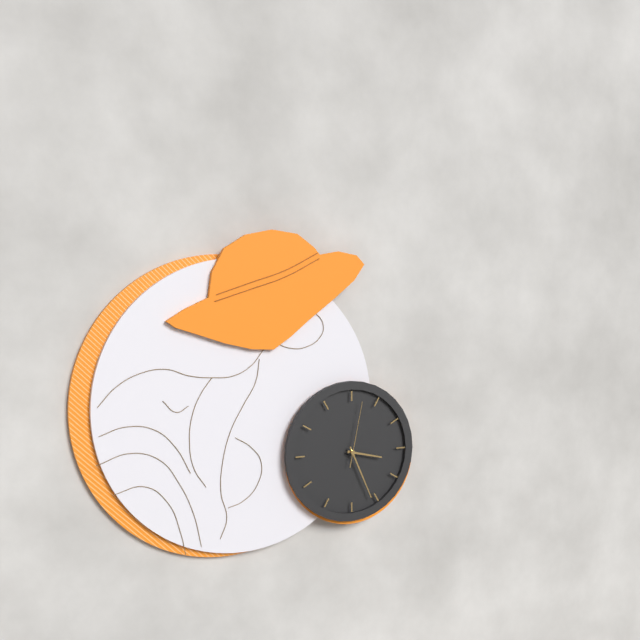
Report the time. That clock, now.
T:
3:26:02
